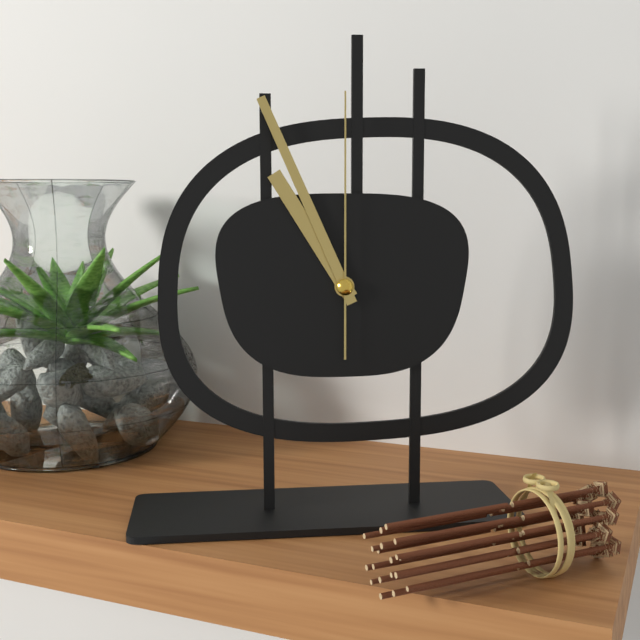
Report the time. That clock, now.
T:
10:56:00
